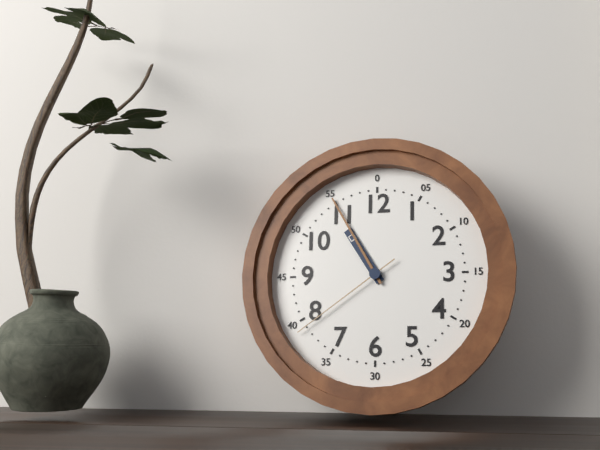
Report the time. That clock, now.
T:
10:55:39
